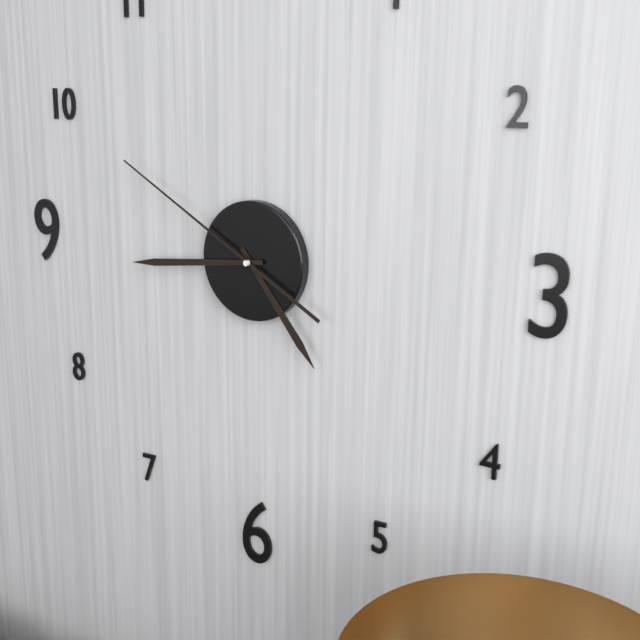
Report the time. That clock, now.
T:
4:44:50
